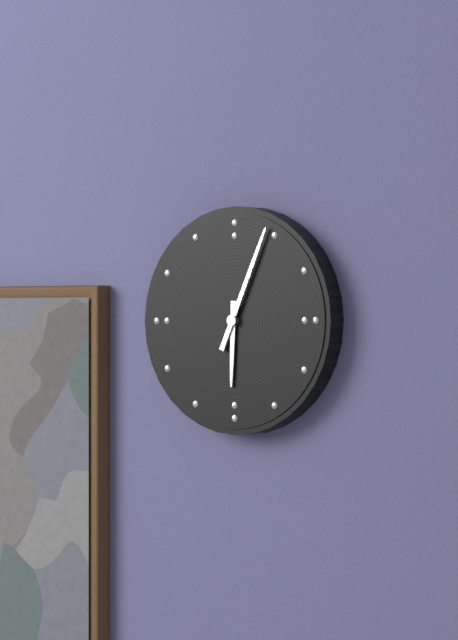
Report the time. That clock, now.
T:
6:04
